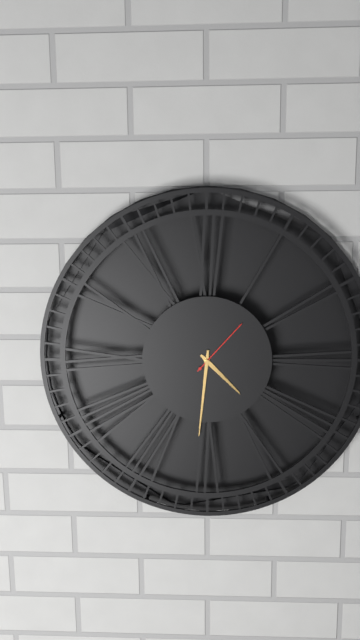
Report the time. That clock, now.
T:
4:31:07
